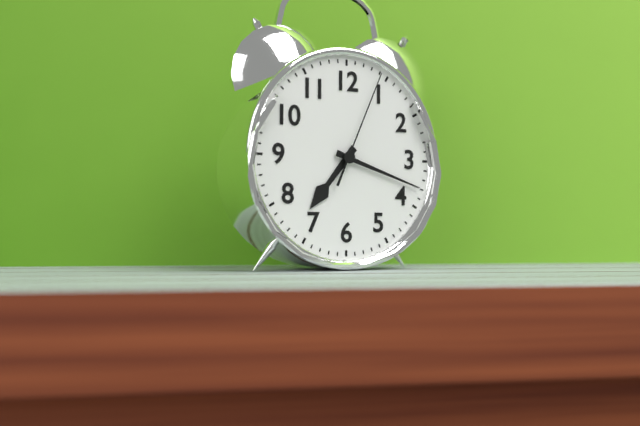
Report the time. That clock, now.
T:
7:18:04
